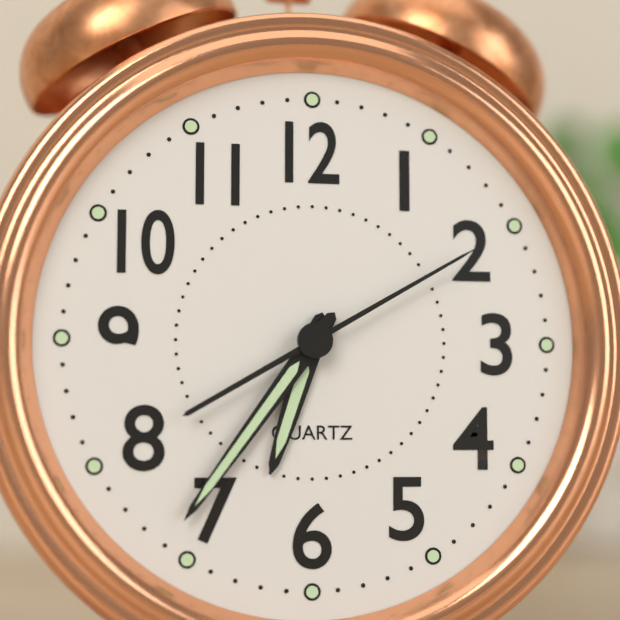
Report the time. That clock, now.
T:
6:36:10
